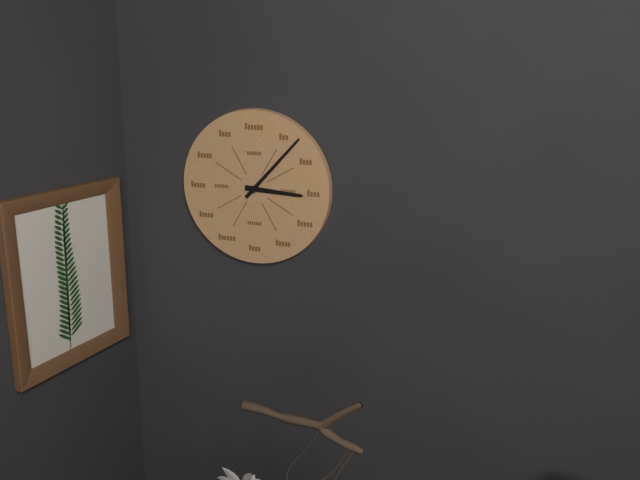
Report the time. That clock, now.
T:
3:07
